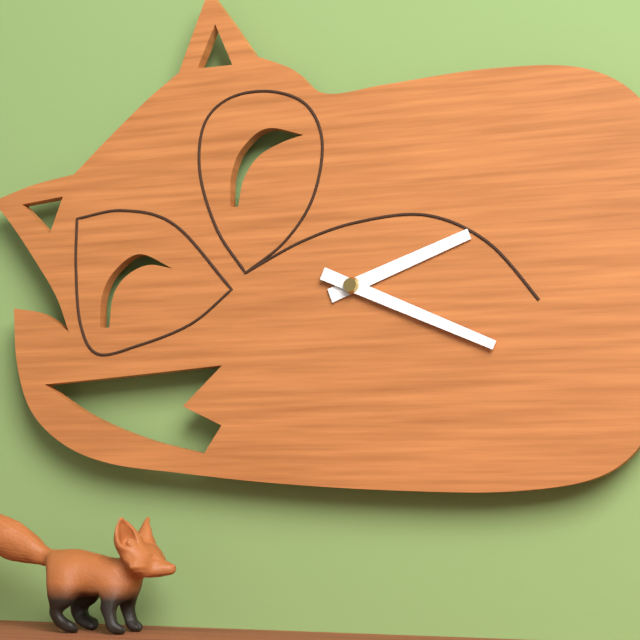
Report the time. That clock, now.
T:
2:19
